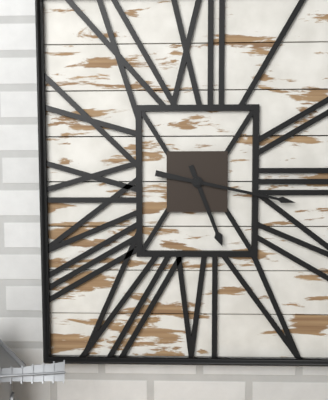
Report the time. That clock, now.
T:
5:17
